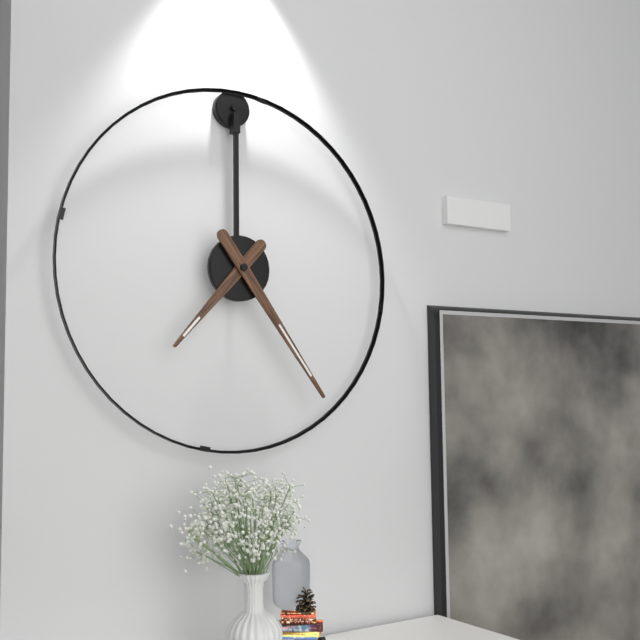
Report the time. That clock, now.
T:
7:24
